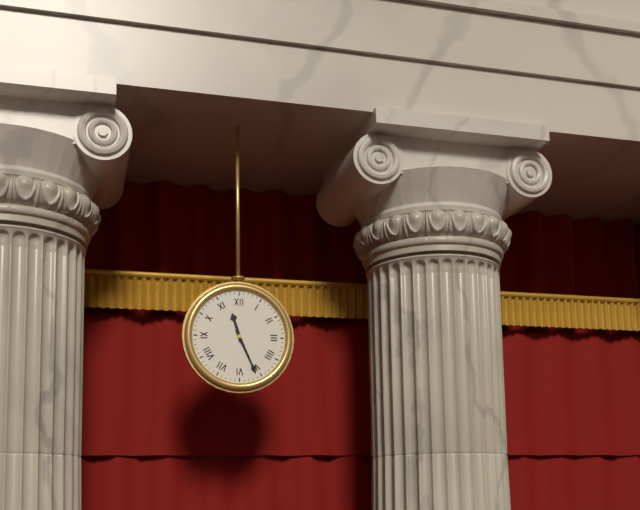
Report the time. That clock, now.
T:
11:26
